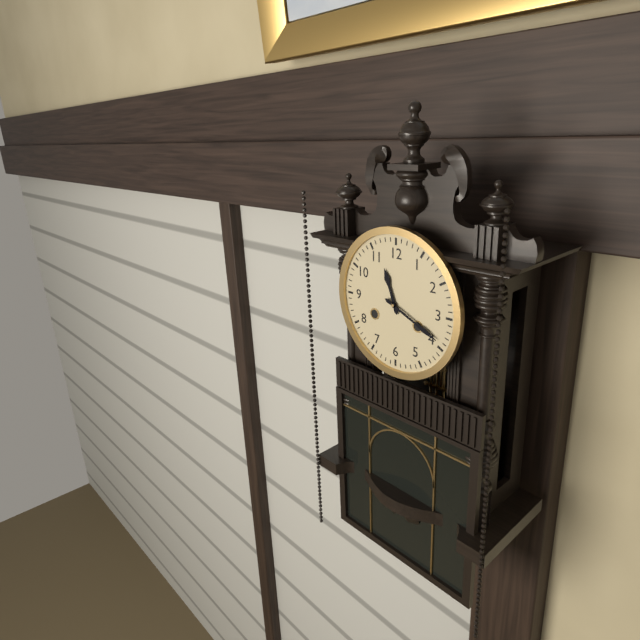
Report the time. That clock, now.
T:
11:19
